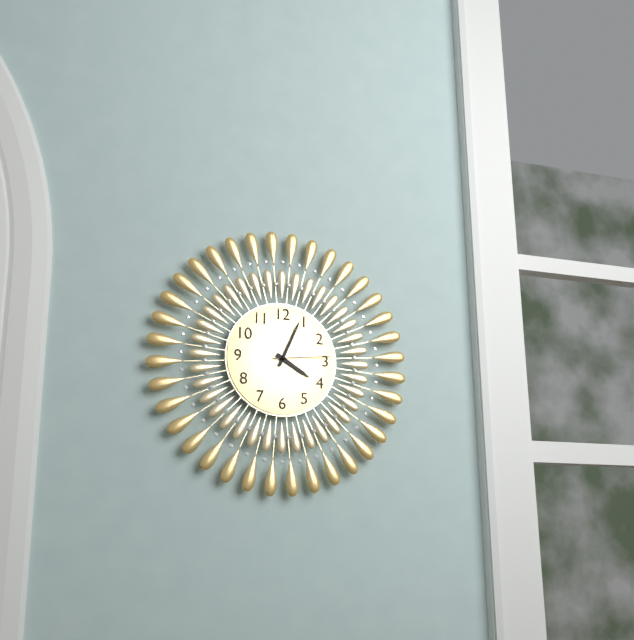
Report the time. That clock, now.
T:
4:04:14
